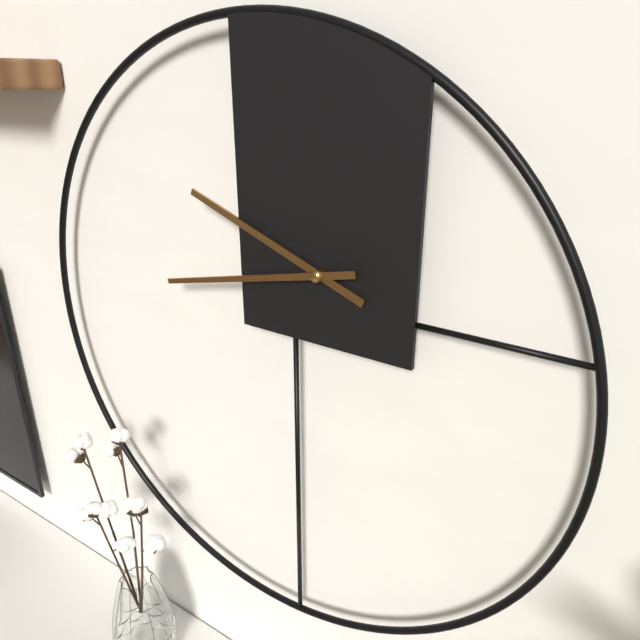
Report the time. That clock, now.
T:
9:43
